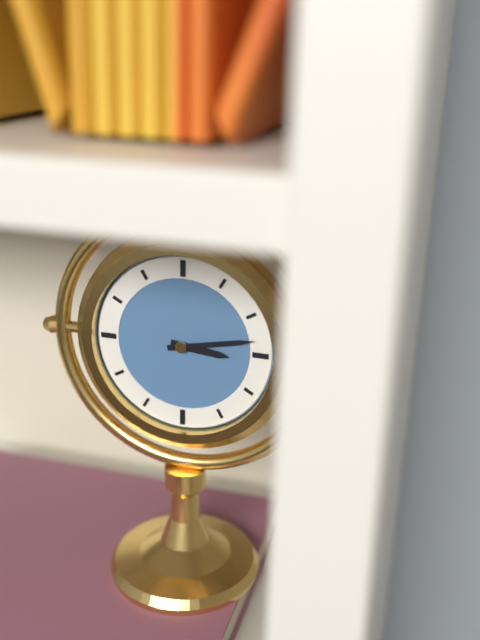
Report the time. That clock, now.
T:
3:13
